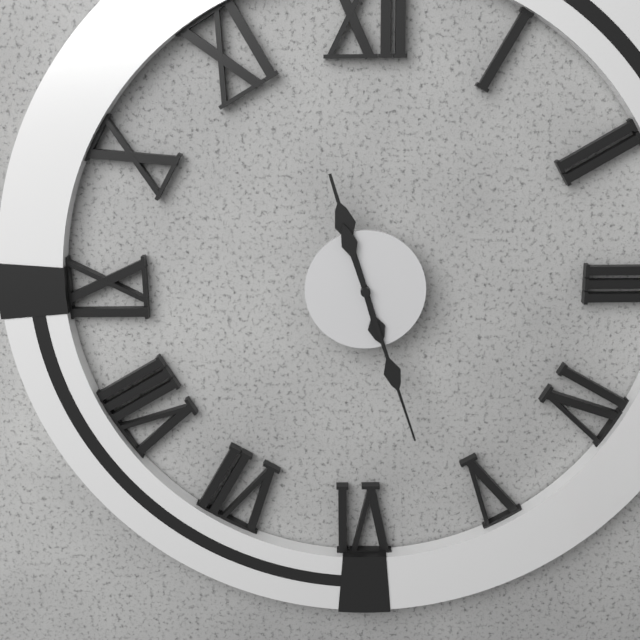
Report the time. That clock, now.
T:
11:27
